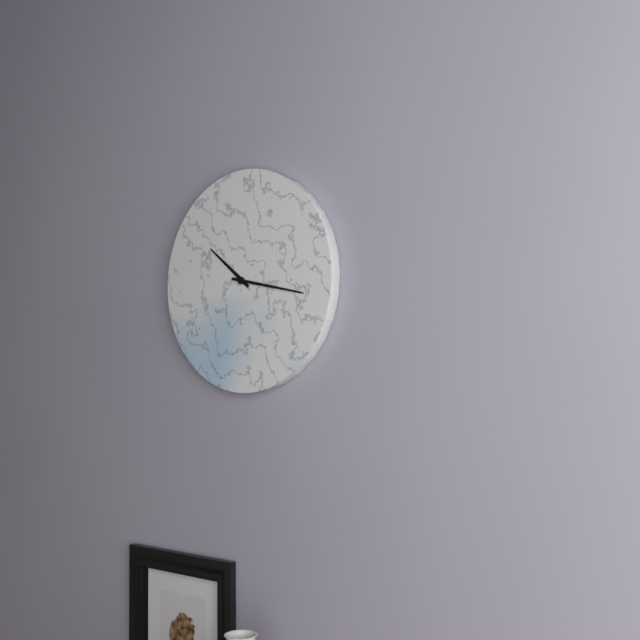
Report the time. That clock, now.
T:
10:17
